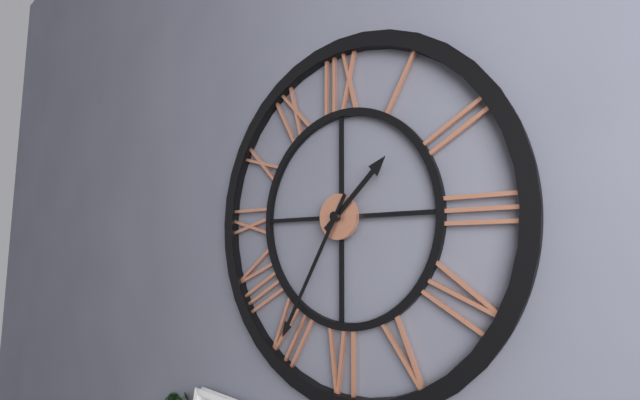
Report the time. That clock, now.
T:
1:35
